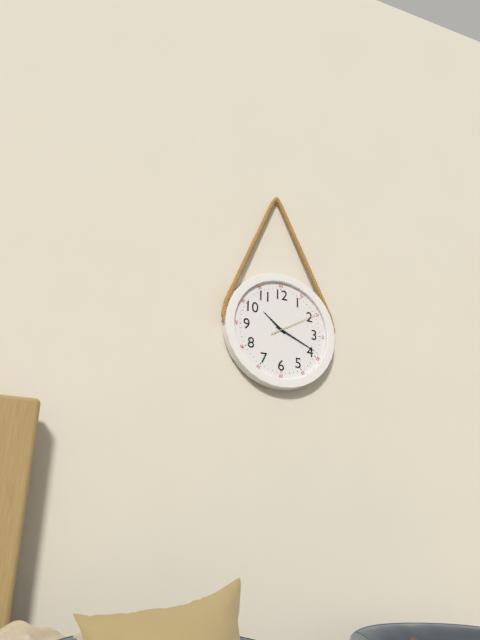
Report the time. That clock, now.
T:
10:19
